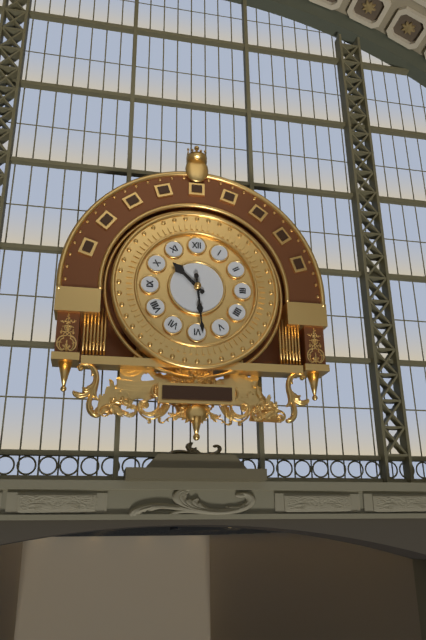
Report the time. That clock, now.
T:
10:29
